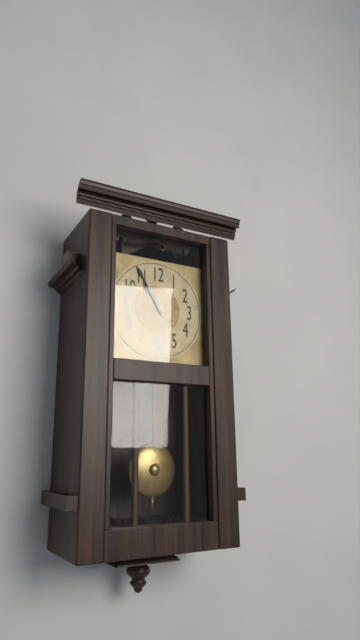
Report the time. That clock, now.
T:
10:55
